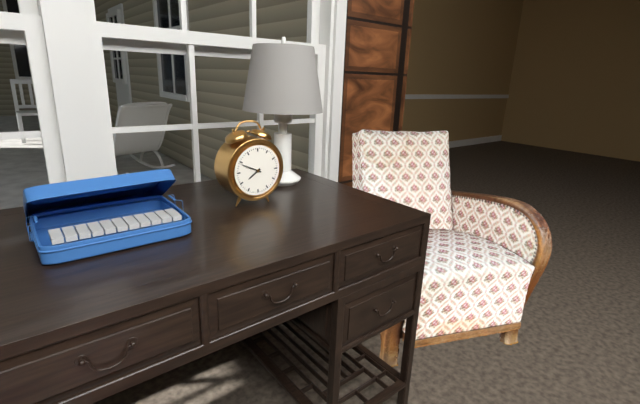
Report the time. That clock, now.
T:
7:49
